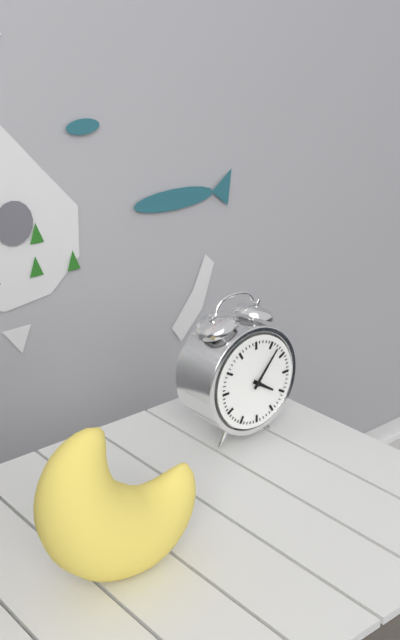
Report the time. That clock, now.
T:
4:07
